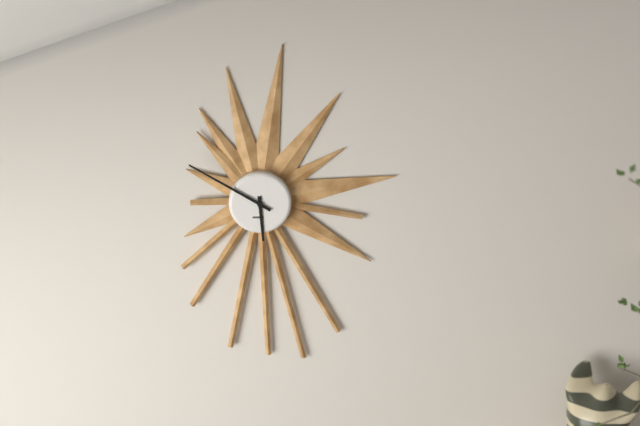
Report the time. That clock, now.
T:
5:50
